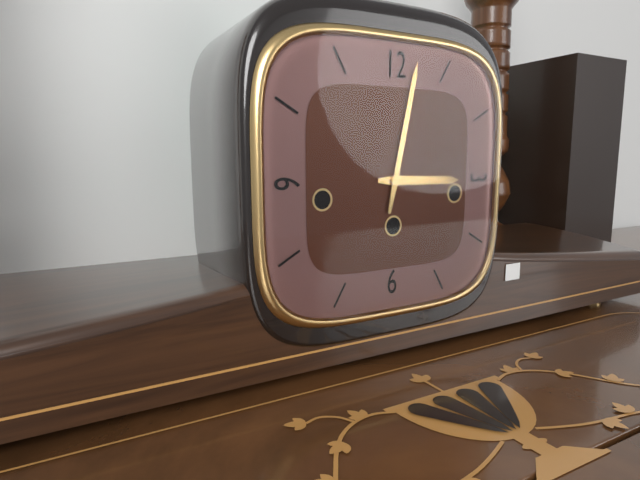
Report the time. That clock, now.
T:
3:02
